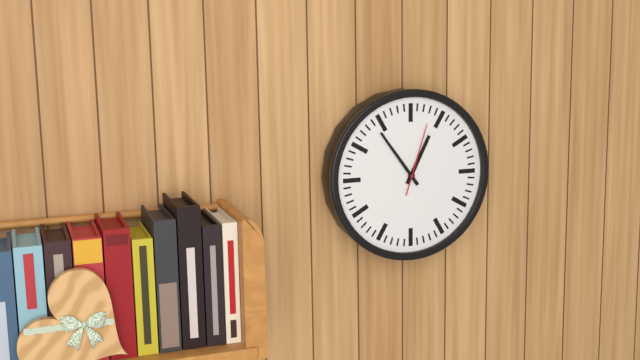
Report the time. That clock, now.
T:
12:54:03
